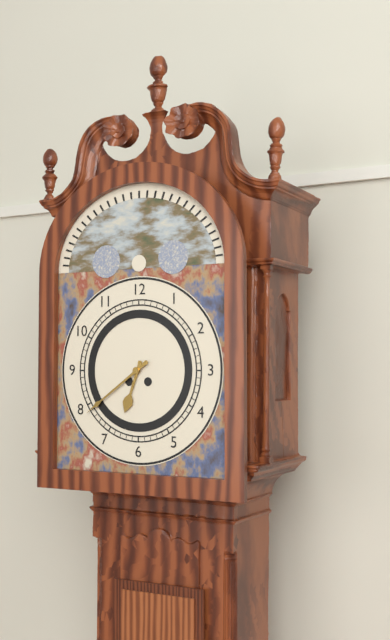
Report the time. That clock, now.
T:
6:39
